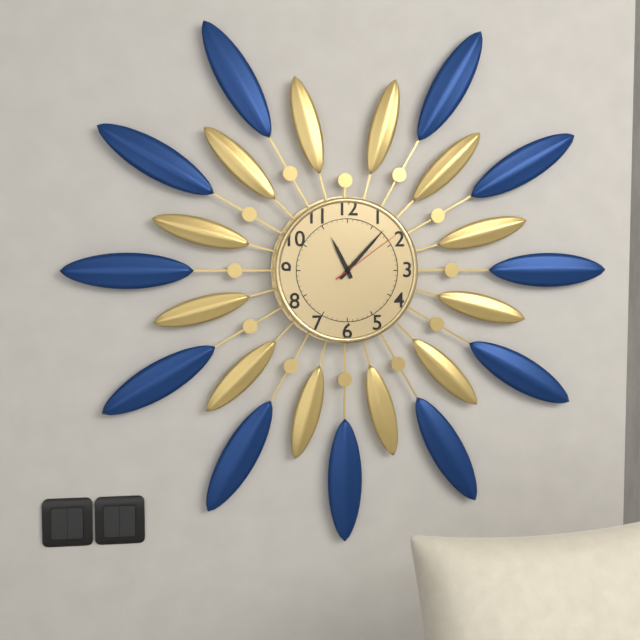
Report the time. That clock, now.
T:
11:07:09
